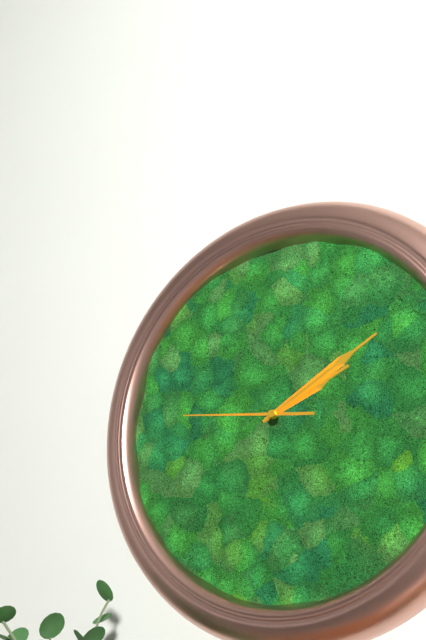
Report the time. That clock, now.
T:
2:10:46
